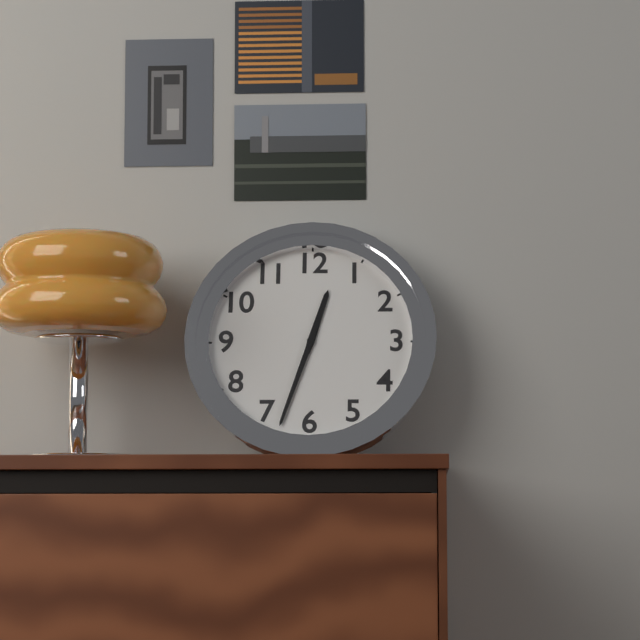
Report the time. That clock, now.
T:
12:33
